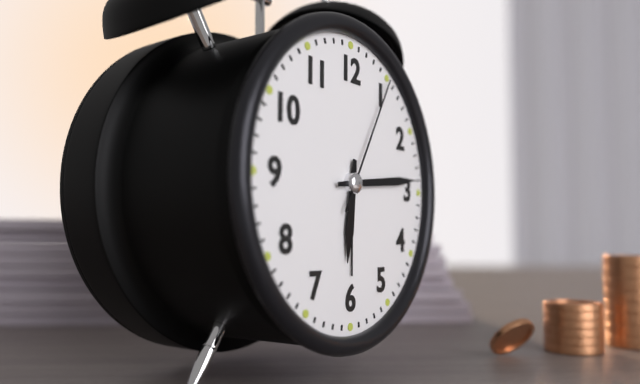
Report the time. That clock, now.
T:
6:14:05
